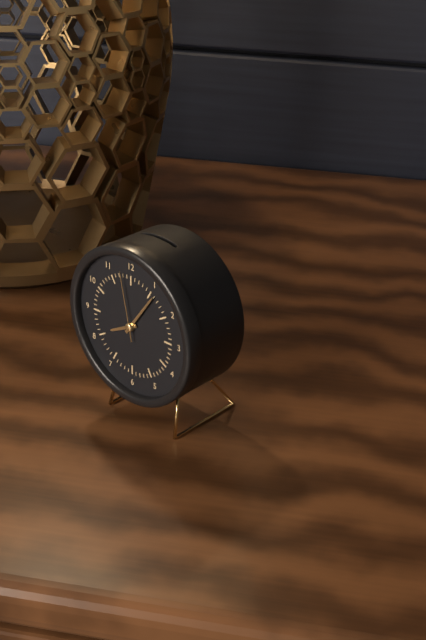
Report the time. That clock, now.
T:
8:06:58
